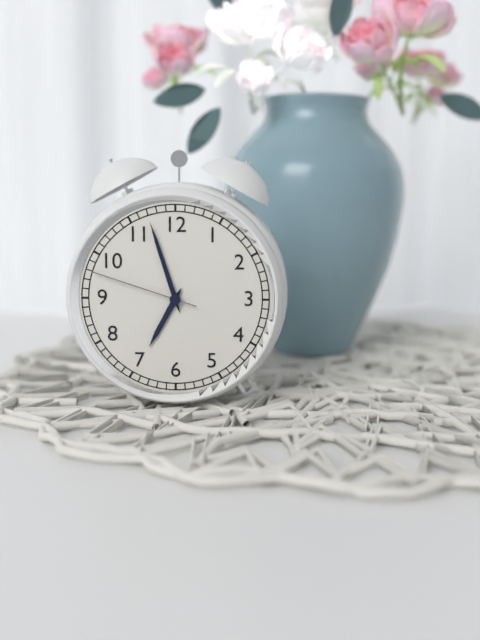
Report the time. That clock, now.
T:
6:57:48
